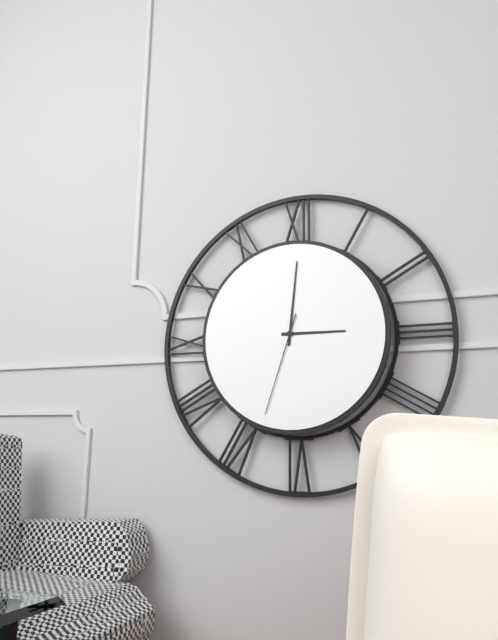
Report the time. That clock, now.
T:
3:01:33
